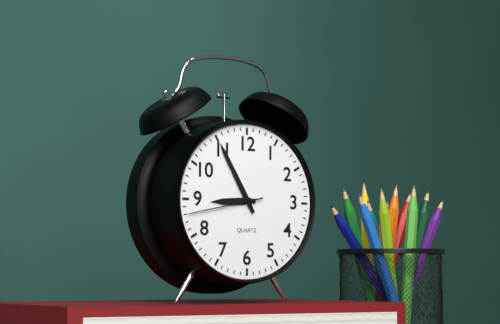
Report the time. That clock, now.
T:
8:55:43
